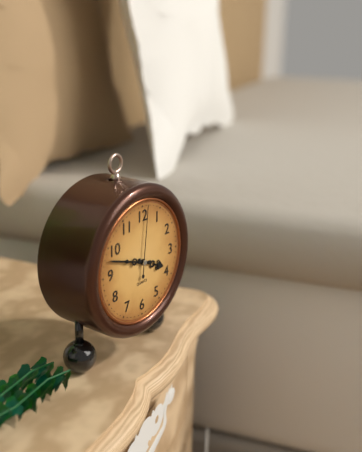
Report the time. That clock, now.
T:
3:48:01
